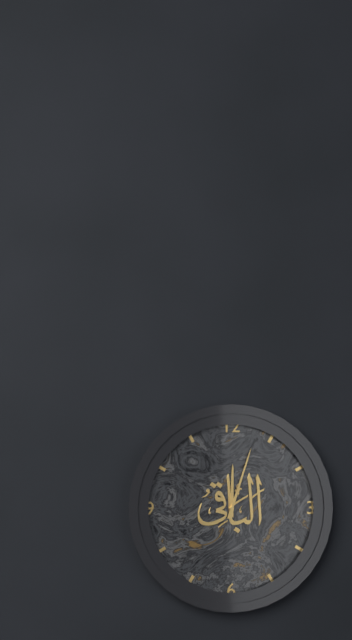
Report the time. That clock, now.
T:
12:03
